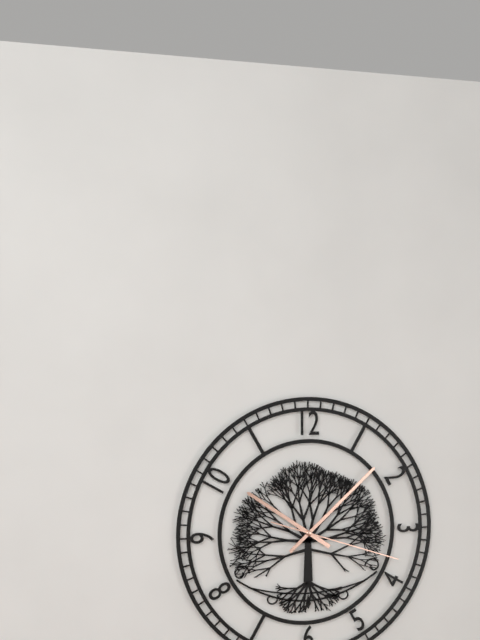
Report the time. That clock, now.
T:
10:08:18
